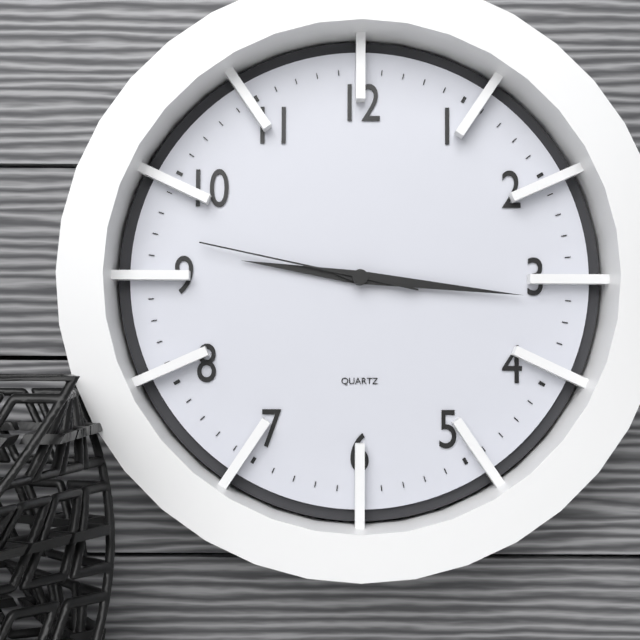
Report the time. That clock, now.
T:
9:16:47
